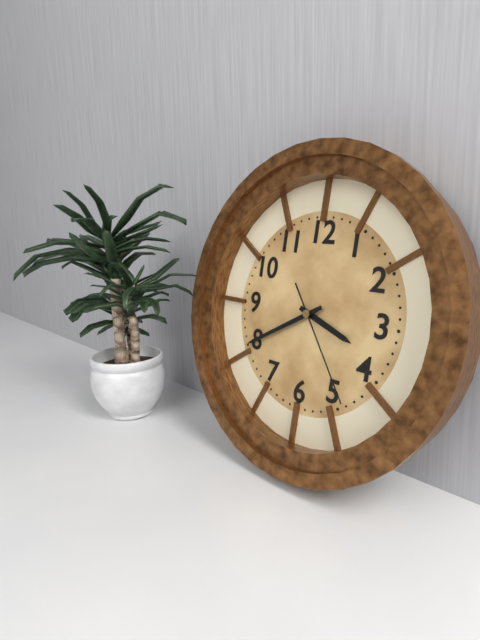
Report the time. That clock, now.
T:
3:40:24
